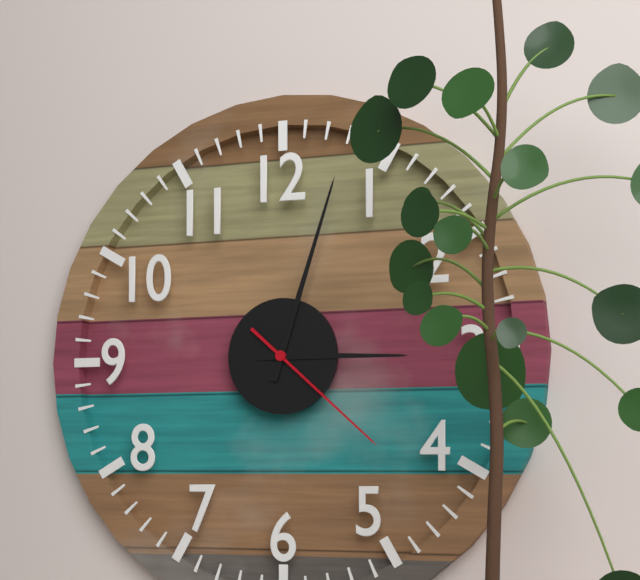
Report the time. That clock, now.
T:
3:03:22
